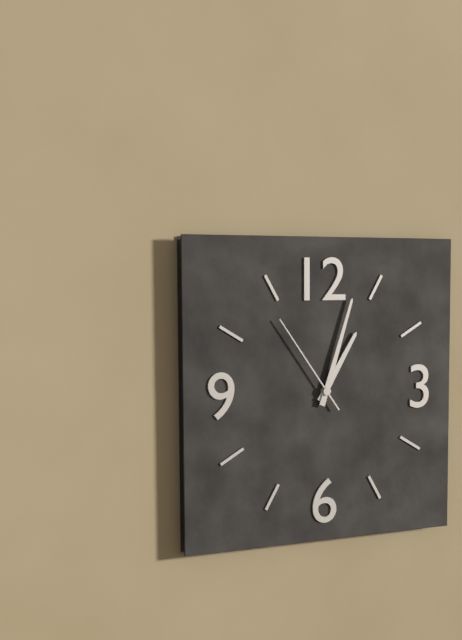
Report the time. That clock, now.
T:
1:03:54
